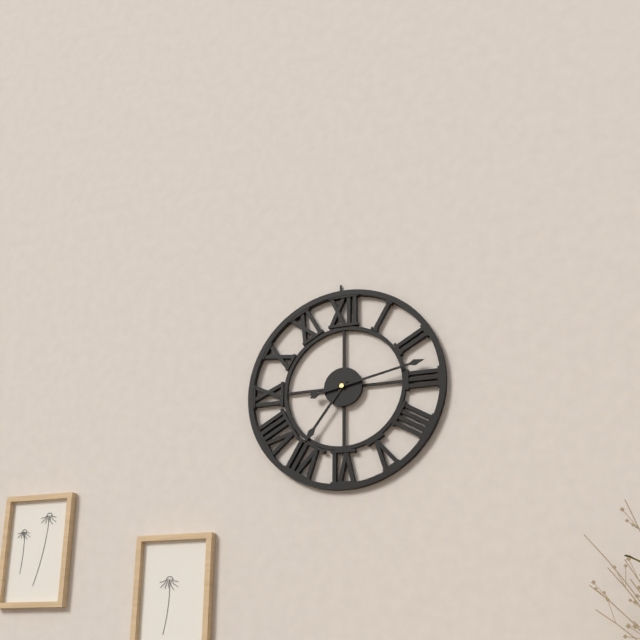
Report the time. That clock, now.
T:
7:13
